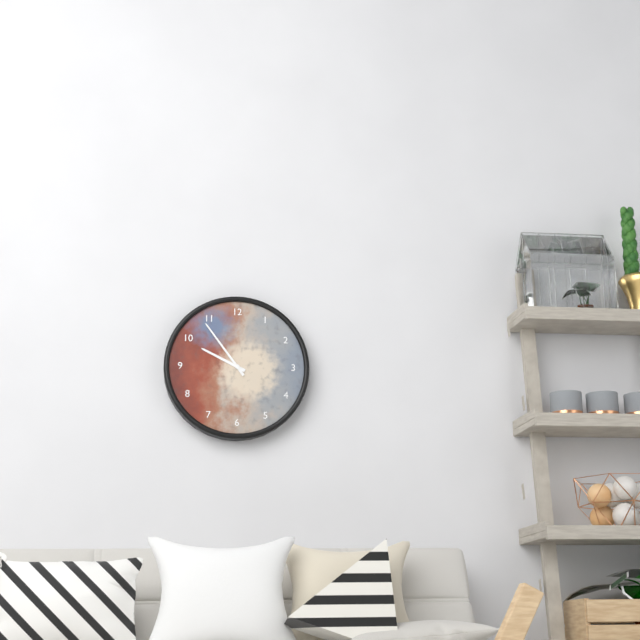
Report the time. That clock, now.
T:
9:54
